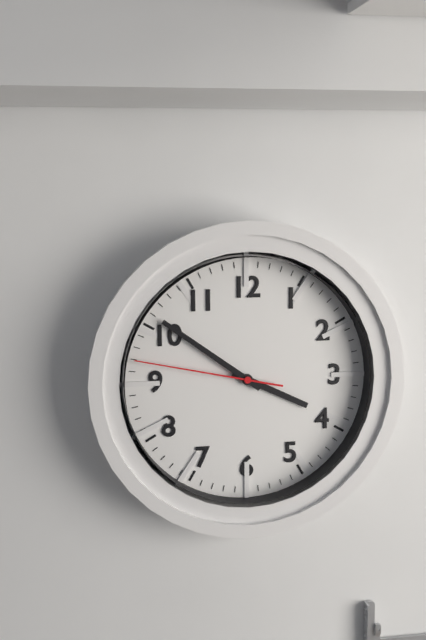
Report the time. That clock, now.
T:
3:51:47
